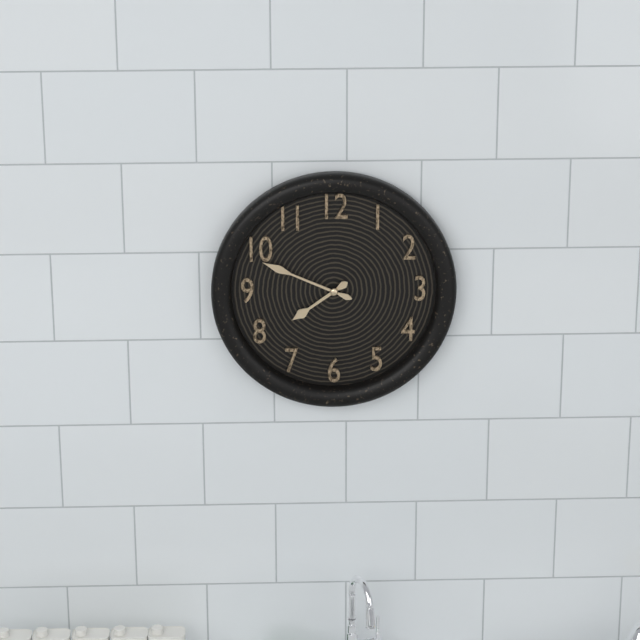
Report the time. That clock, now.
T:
7:49
